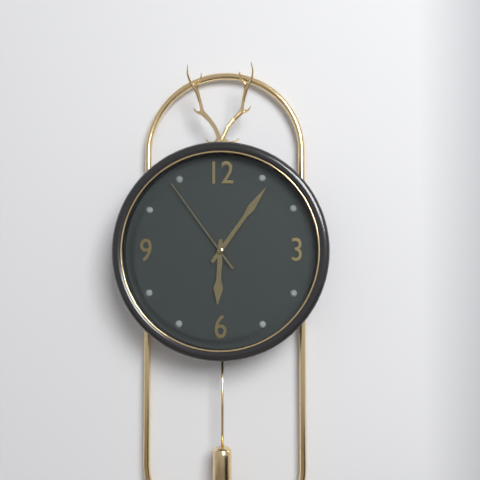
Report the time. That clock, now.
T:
6:06:54
